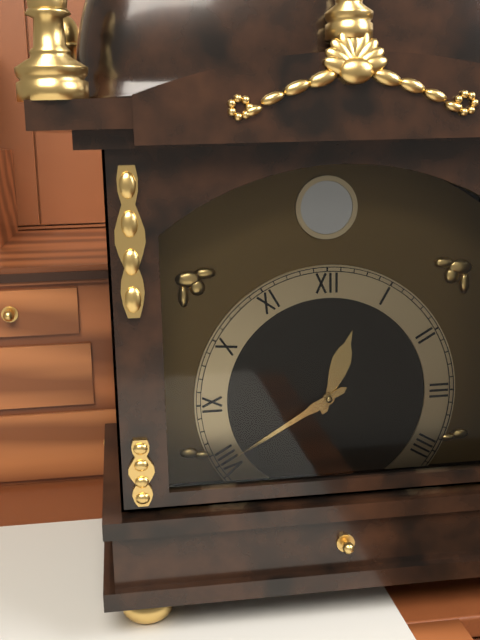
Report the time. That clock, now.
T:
12:40
